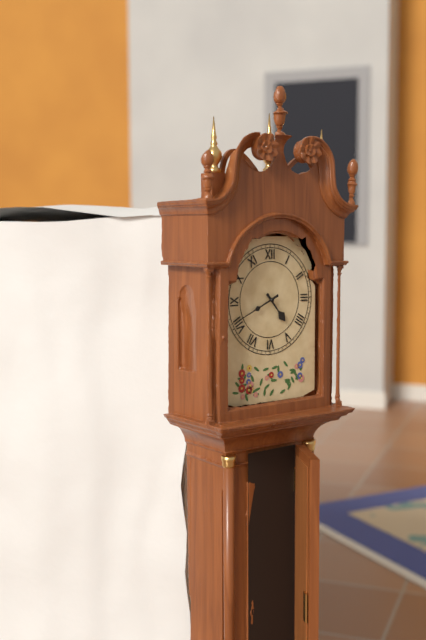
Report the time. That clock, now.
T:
4:41
